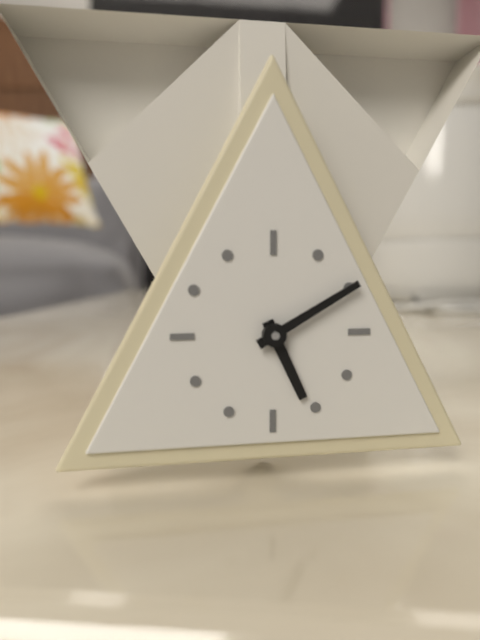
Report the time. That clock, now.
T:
5:10
